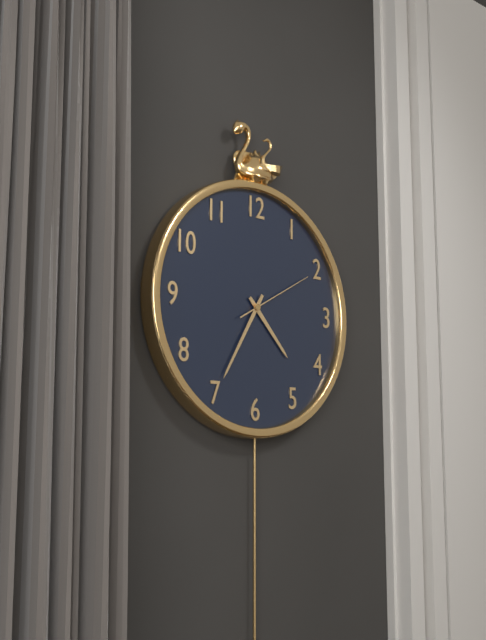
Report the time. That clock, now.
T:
4:35:10
